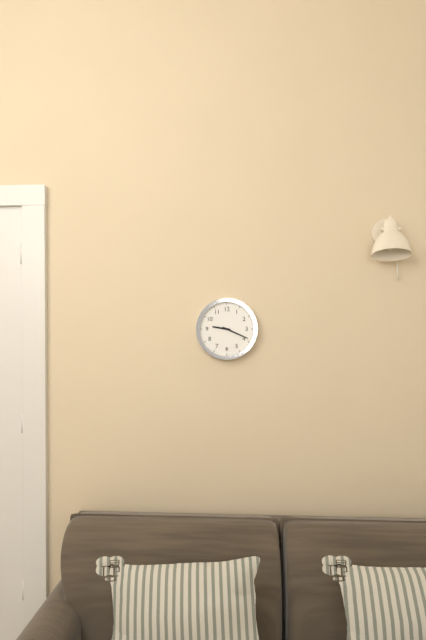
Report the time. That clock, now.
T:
9:19
